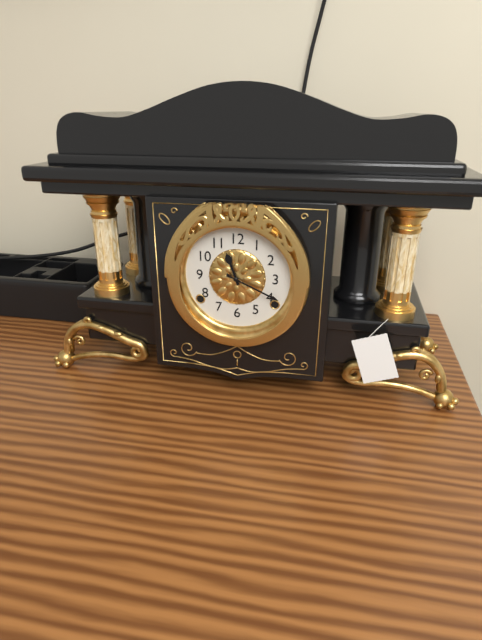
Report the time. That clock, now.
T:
11:19
